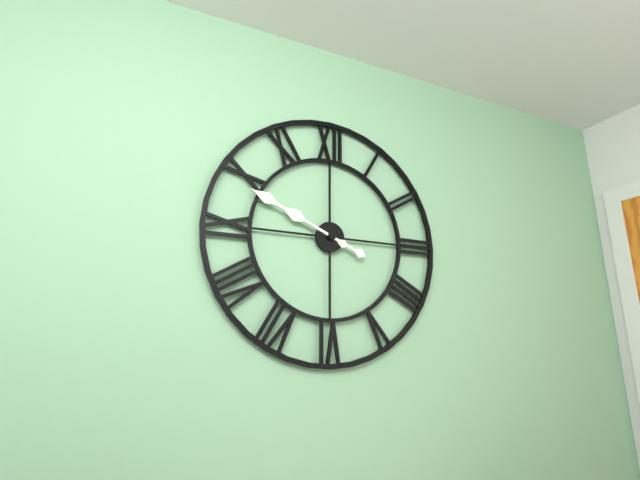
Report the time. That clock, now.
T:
9:49
